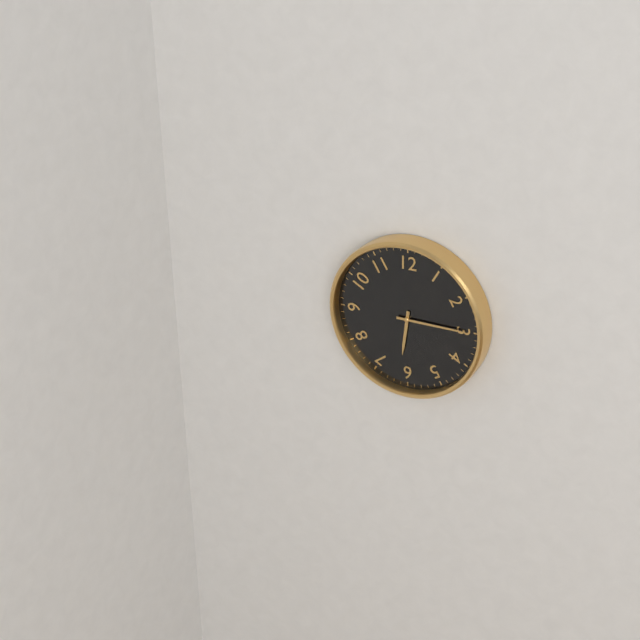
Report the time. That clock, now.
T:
6:15
